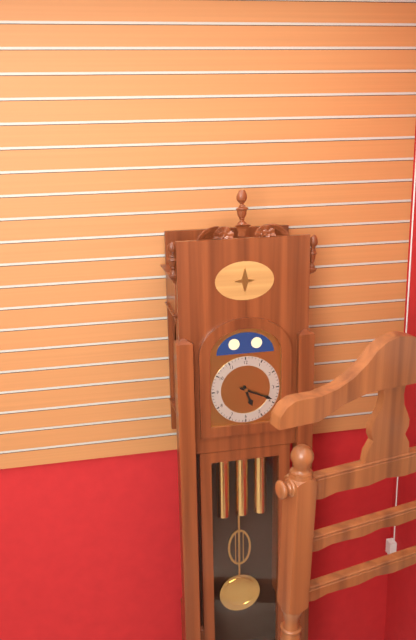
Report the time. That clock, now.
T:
5:19
